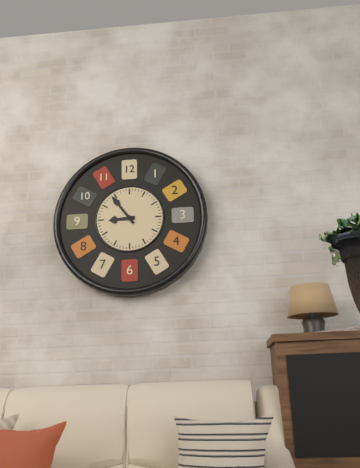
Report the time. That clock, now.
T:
8:54
